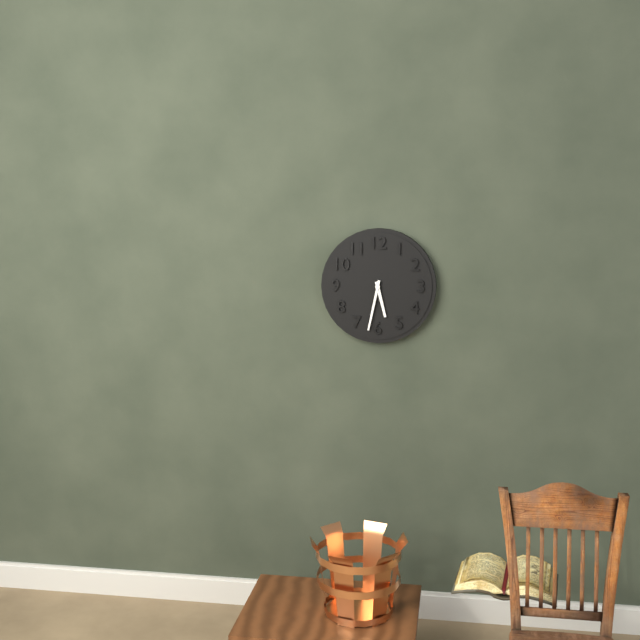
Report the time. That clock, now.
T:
5:32
